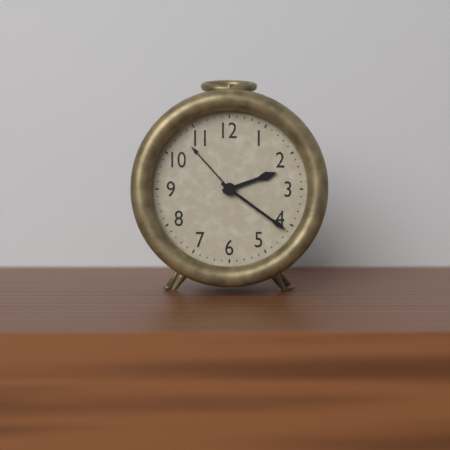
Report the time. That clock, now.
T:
2:21
